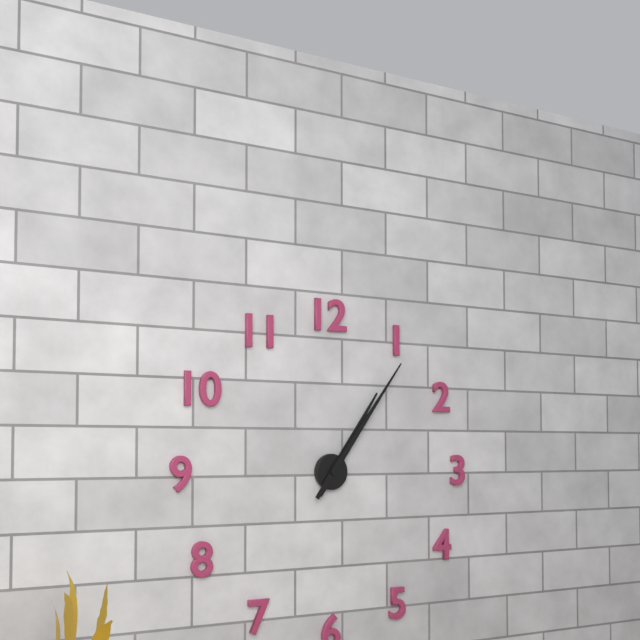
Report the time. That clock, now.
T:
1:06
